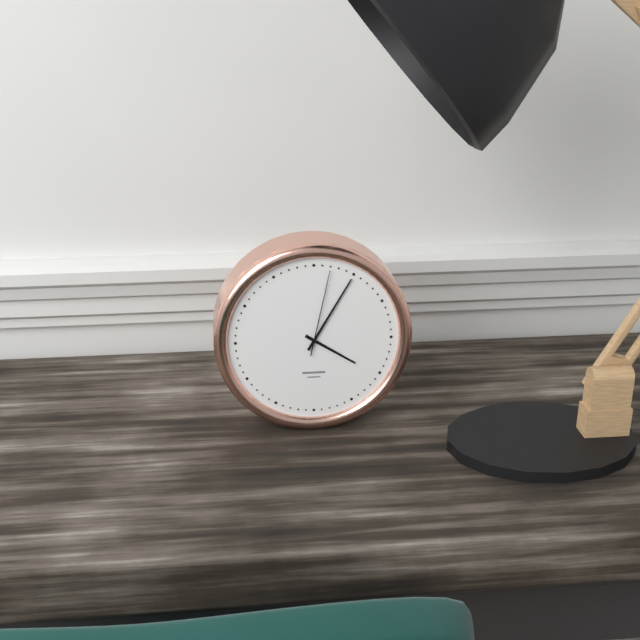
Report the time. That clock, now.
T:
4:05:02
